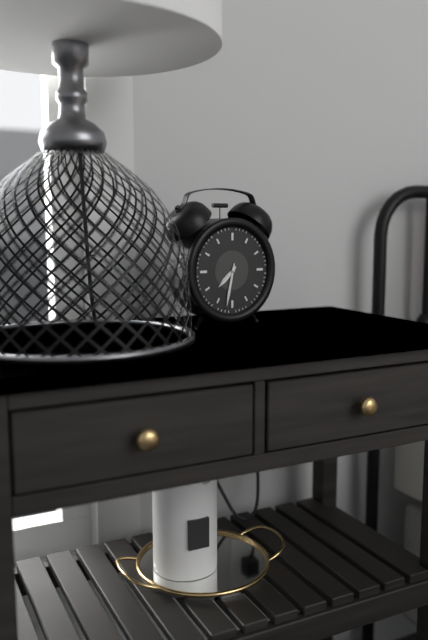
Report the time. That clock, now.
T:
7:32
